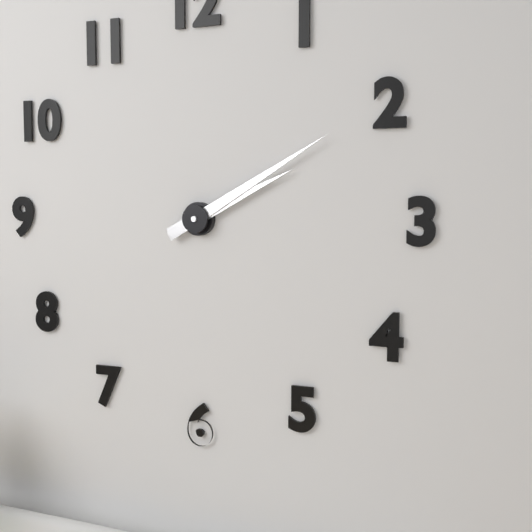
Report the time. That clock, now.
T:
2:10
